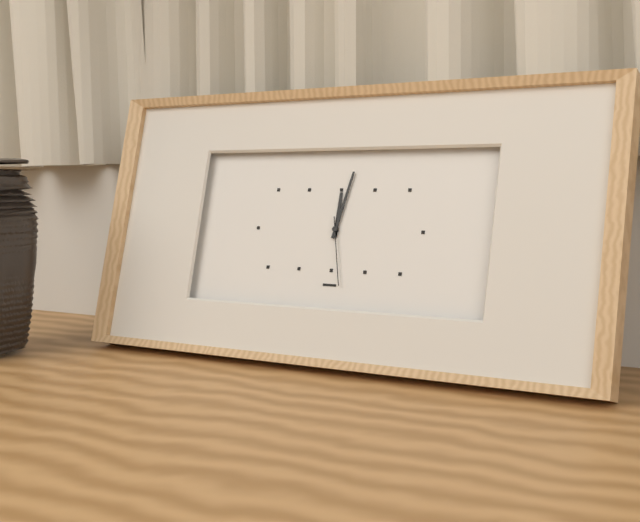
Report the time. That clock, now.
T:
12:02:28
